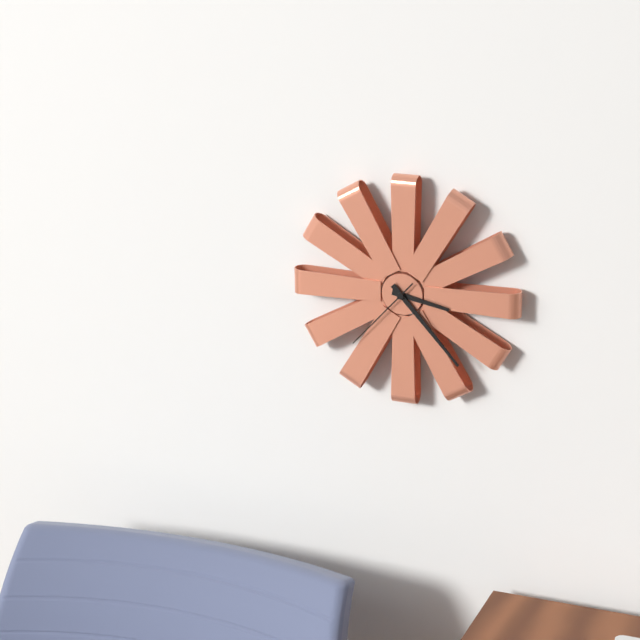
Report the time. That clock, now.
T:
3:23:37
